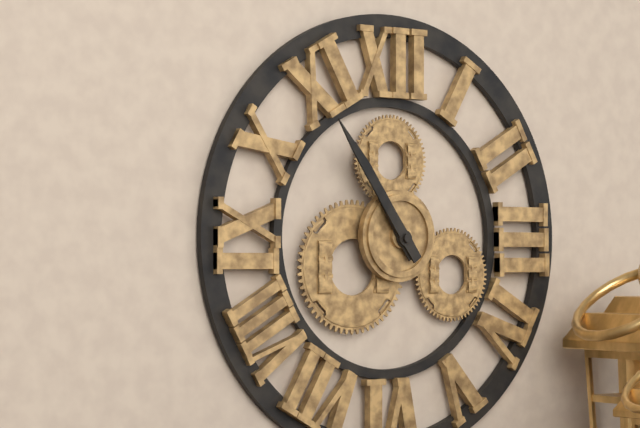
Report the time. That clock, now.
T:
10:54
